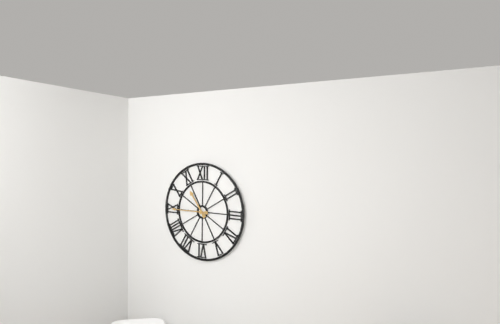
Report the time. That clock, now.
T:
10:45
